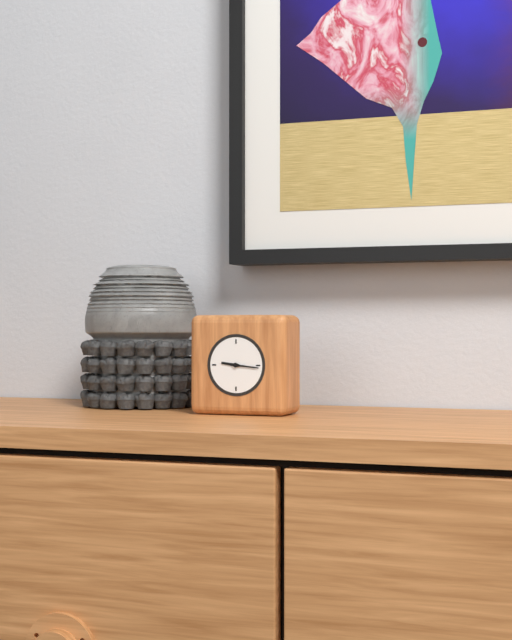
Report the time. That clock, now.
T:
9:16
